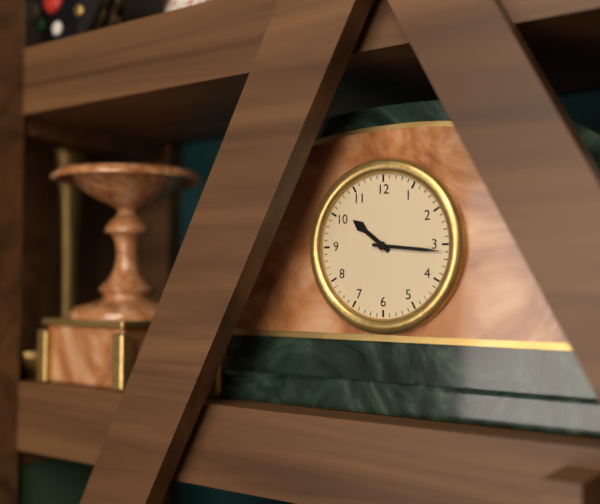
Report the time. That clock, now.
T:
10:16
